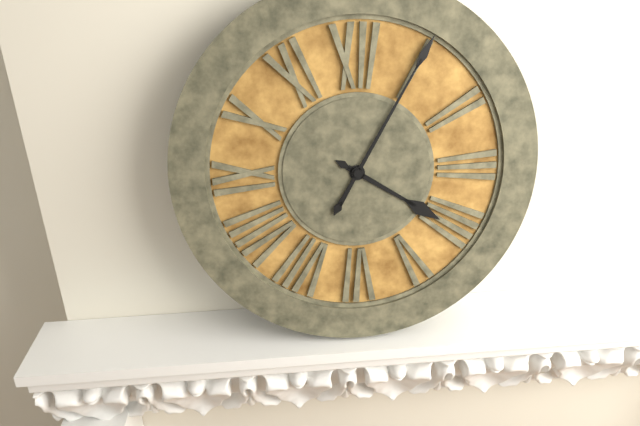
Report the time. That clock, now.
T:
4:05
